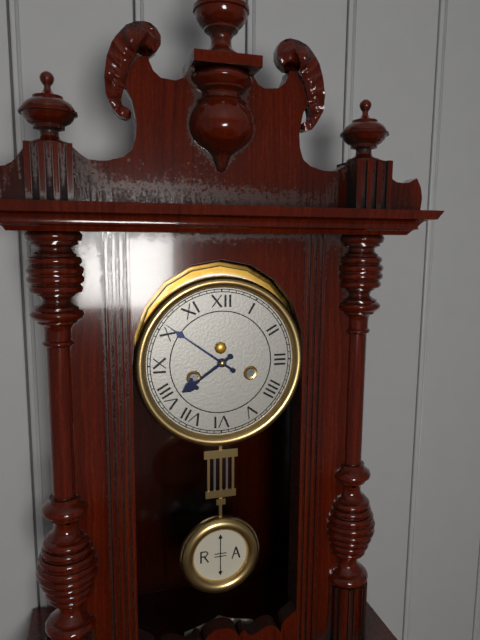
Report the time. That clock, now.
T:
7:51
